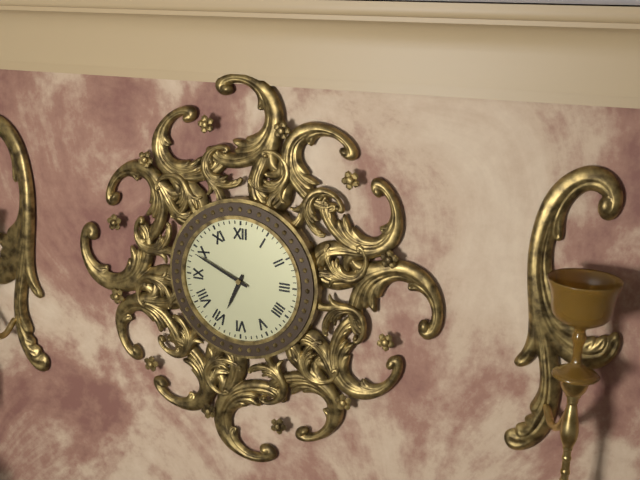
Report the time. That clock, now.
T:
6:49
